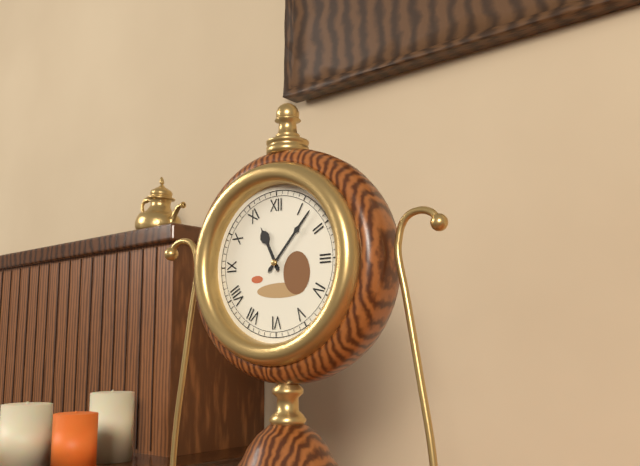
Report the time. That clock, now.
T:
11:07
